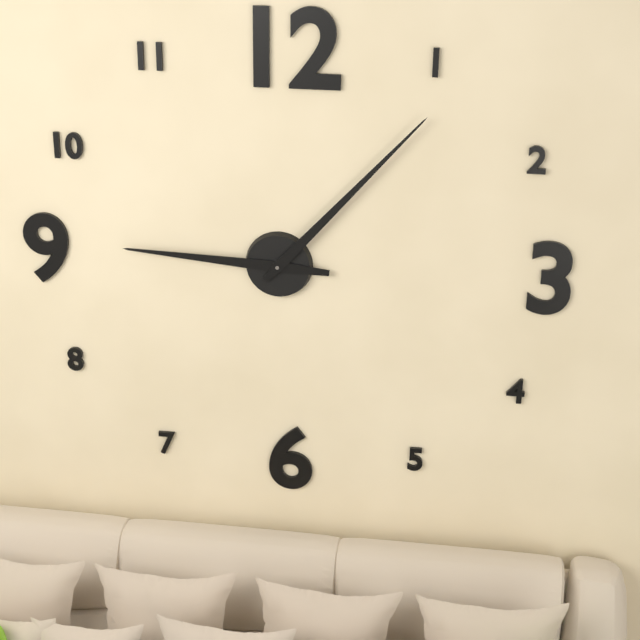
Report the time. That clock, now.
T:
9:07
